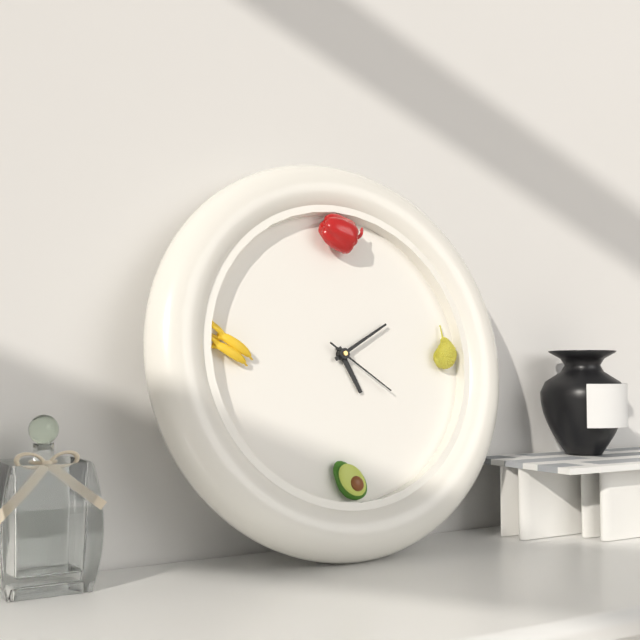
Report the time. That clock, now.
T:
5:10:21
